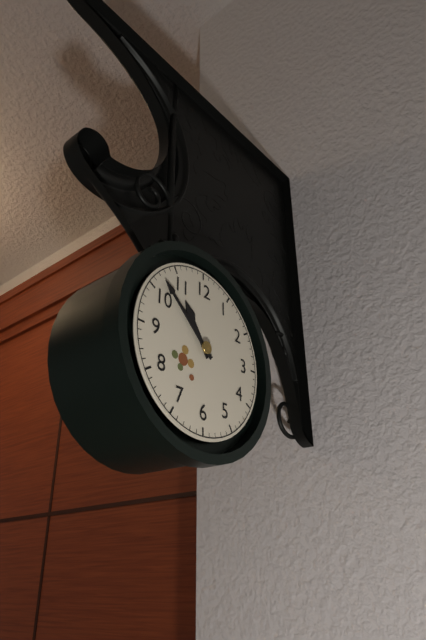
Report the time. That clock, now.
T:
10:52
